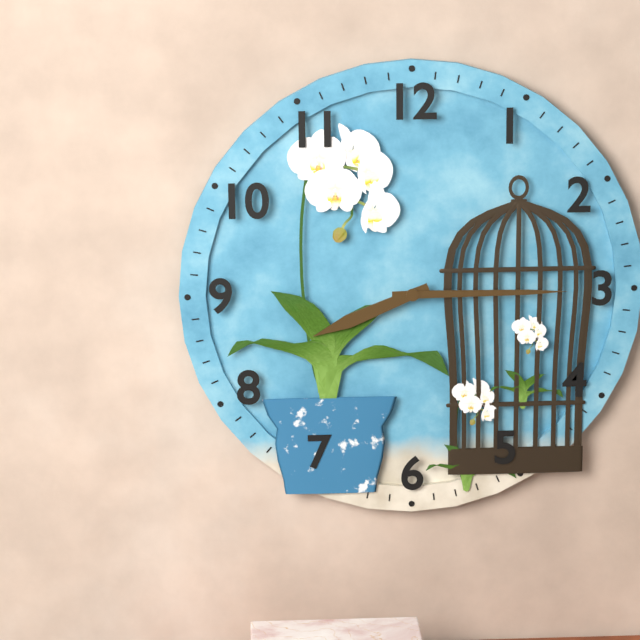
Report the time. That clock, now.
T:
8:15
